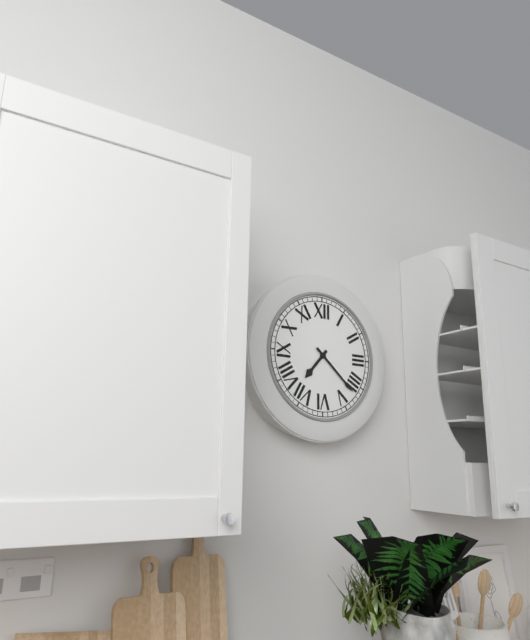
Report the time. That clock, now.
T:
7:22
